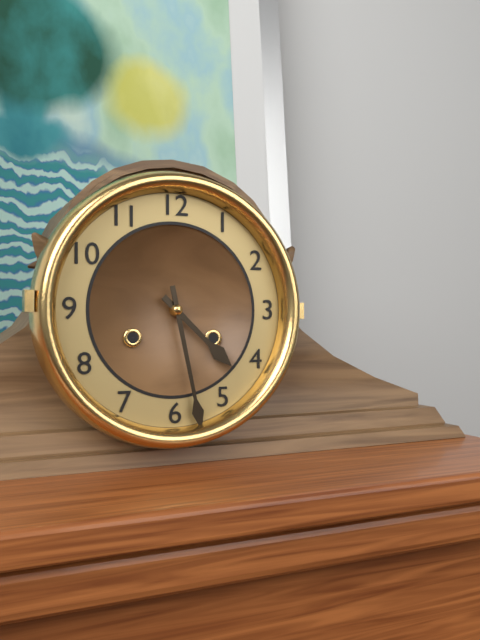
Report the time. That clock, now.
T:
4:28
